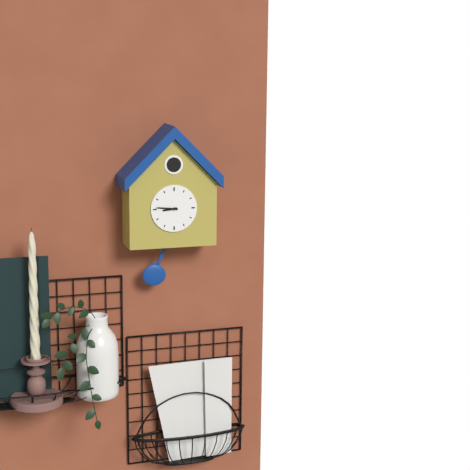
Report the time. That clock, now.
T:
8:46
